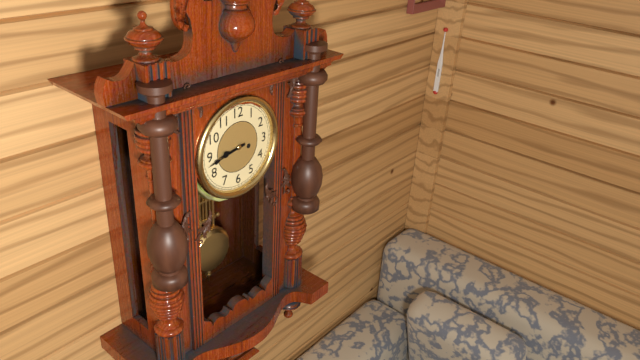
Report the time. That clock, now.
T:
8:43
